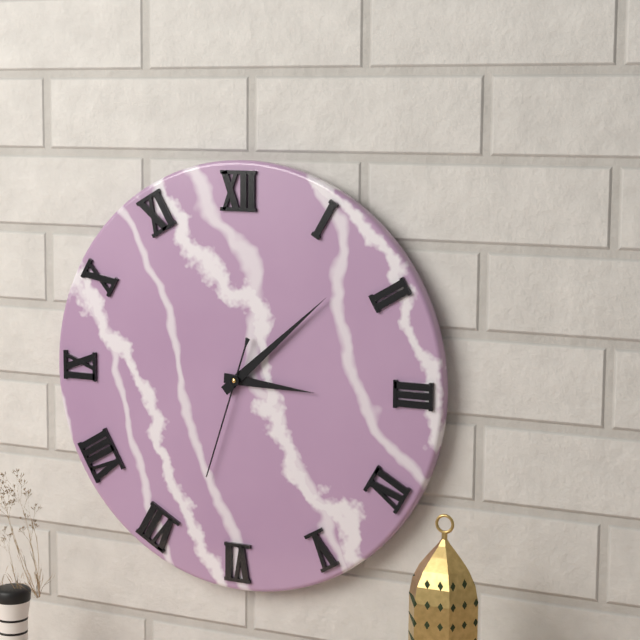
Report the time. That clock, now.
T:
3:08:33
